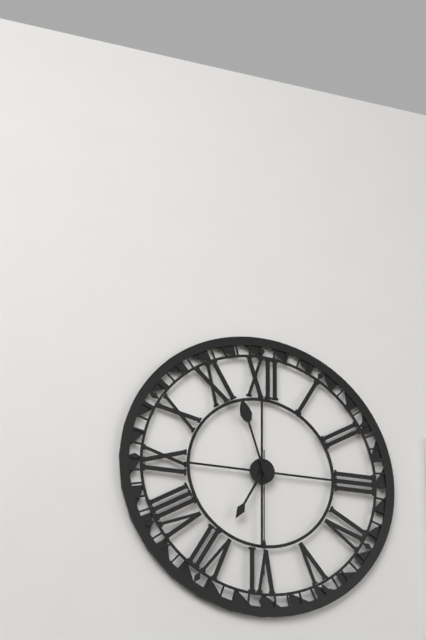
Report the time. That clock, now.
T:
6:57:30
